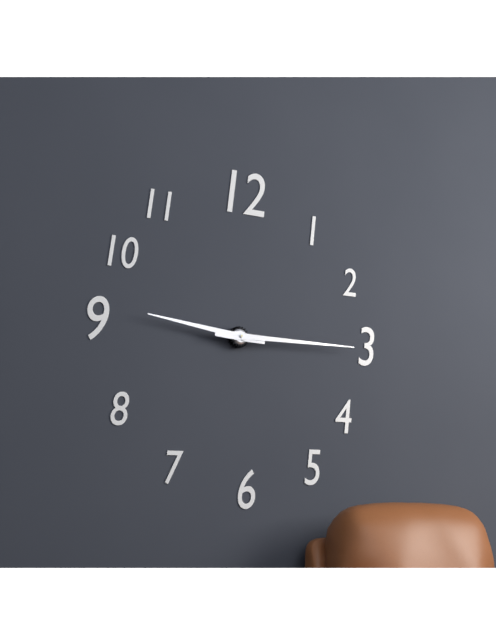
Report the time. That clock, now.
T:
9:15
